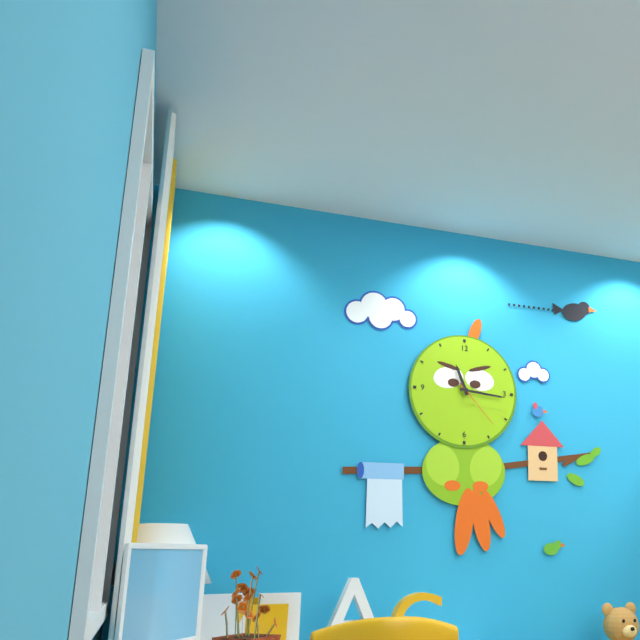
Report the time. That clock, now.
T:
11:16:23
